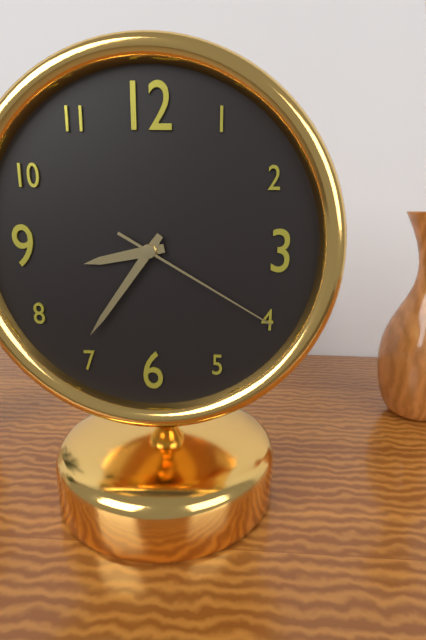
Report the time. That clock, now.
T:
8:36:20
